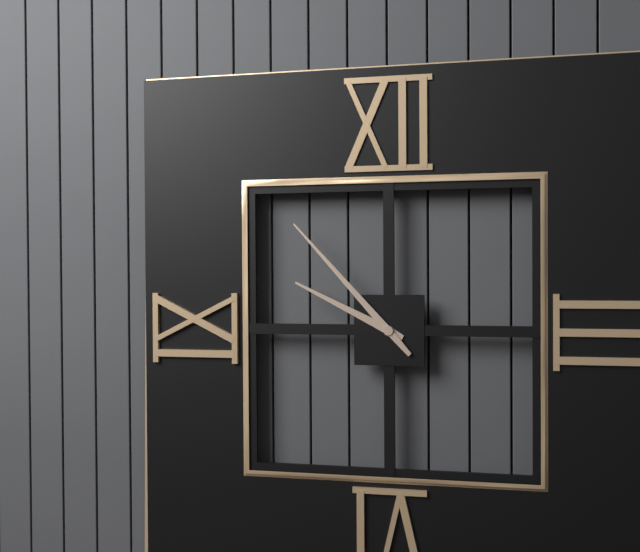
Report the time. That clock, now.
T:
9:53
